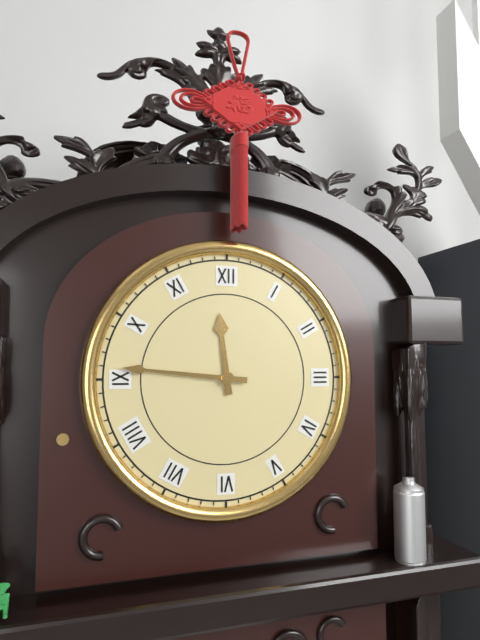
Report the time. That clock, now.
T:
11:46
